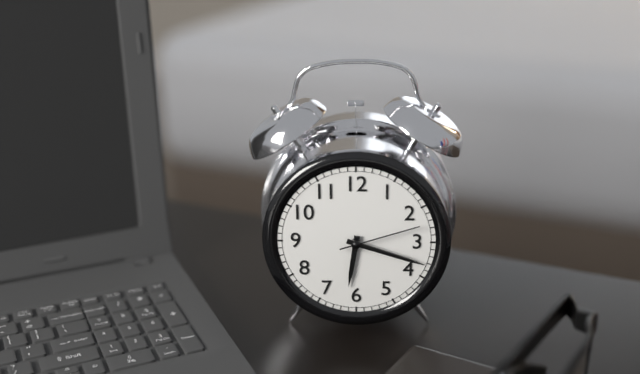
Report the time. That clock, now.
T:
6:18:12
